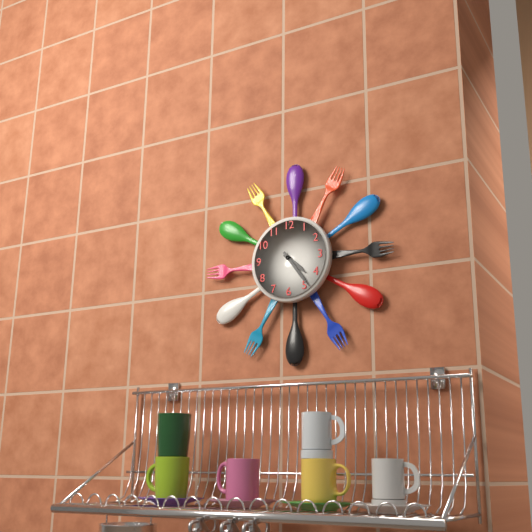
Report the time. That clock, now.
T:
4:24
